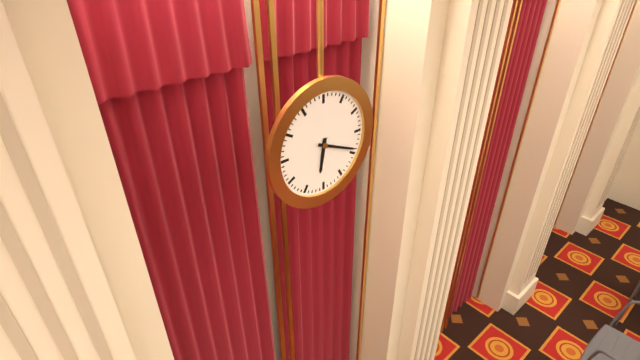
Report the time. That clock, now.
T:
6:19
